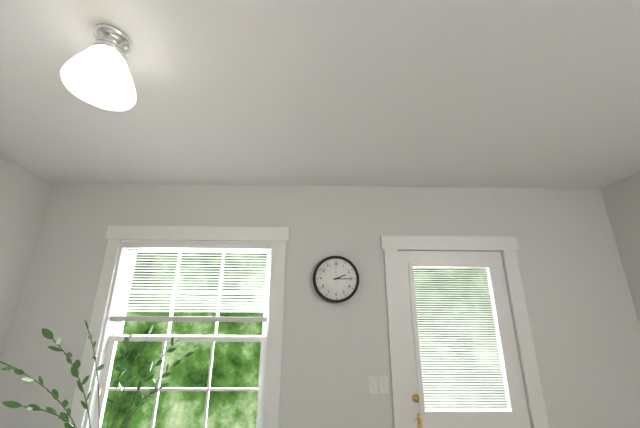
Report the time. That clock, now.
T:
2:15
